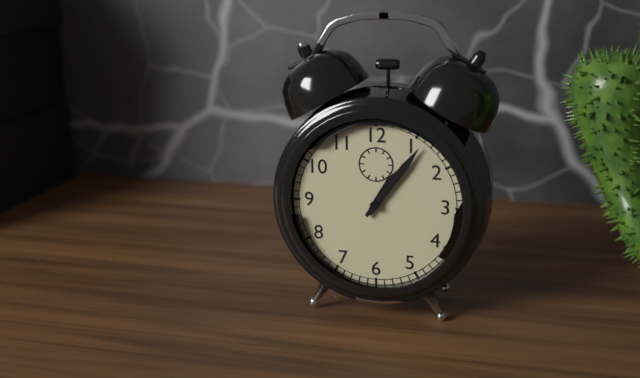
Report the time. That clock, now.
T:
1:06
